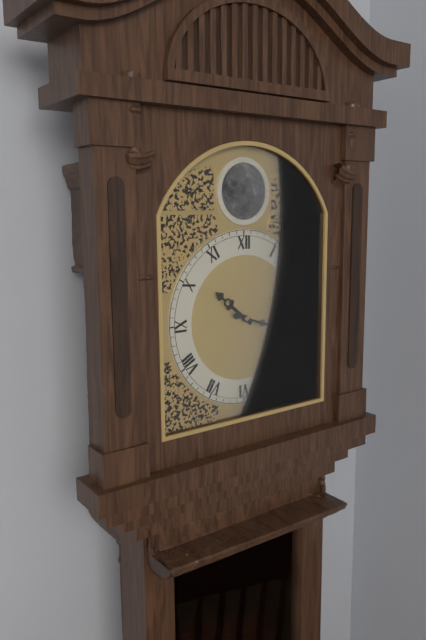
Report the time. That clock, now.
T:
10:18
